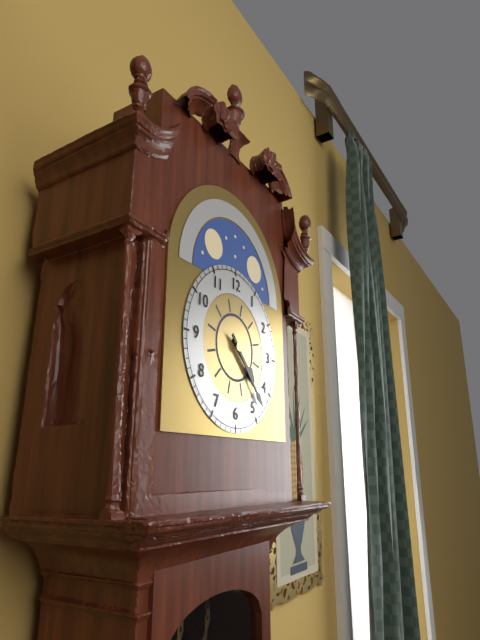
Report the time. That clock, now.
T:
4:23
